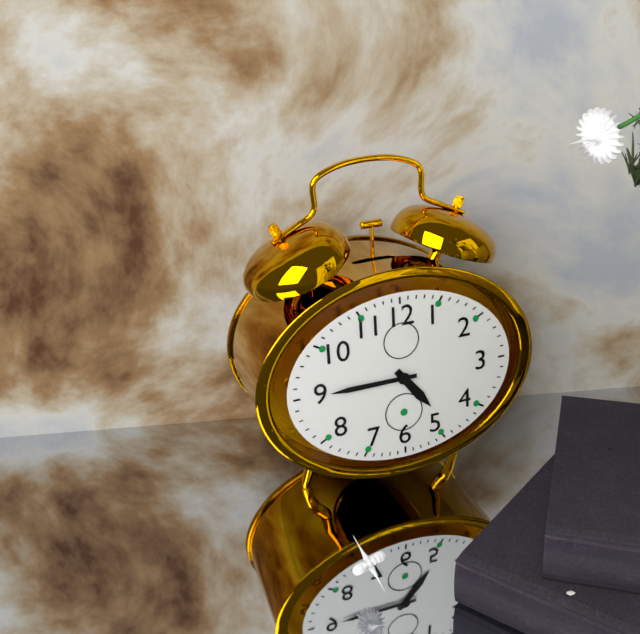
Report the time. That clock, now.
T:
4:45
